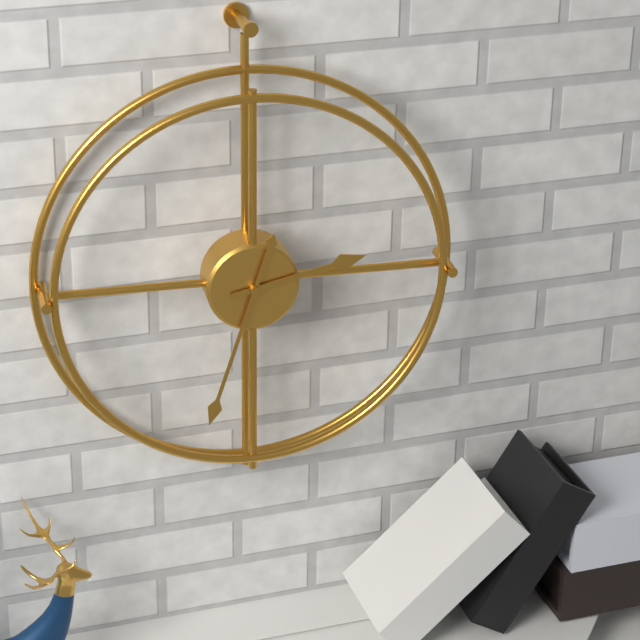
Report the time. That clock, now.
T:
2:33
